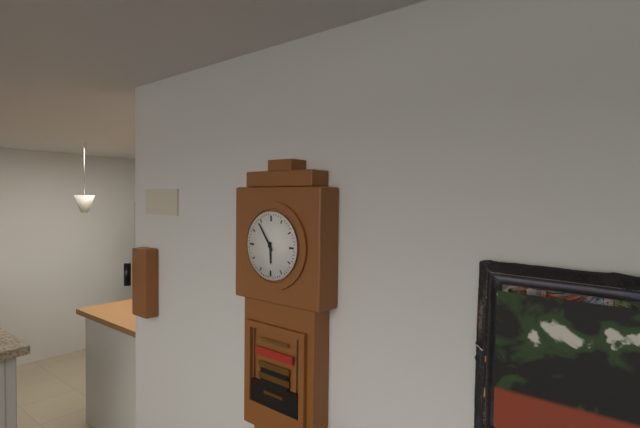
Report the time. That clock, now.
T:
5:54
